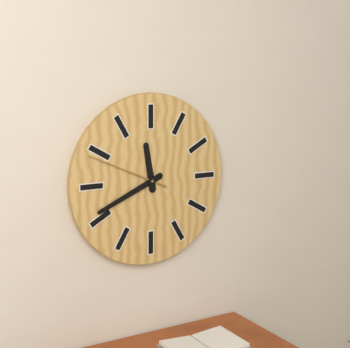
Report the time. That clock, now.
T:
11:41:49
